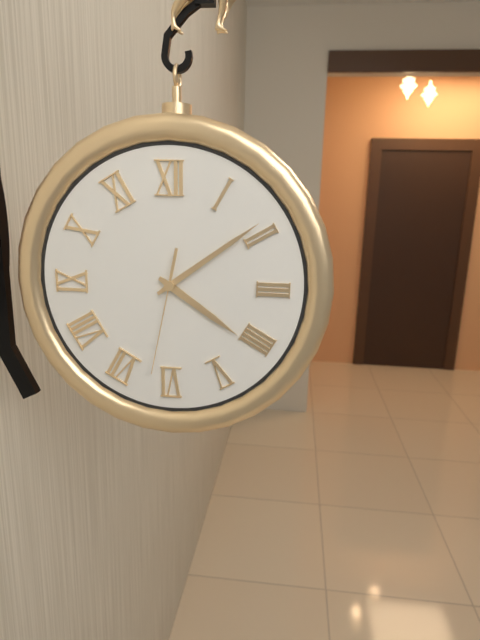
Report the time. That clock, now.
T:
4:09:32
